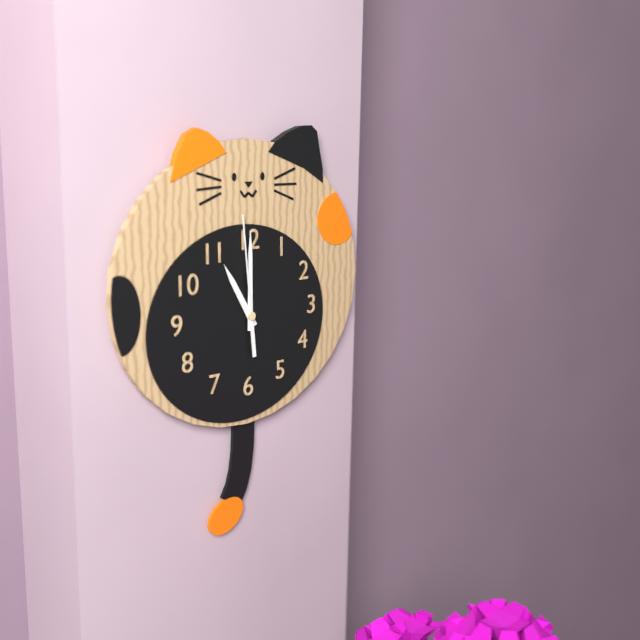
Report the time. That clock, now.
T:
11:00:59
